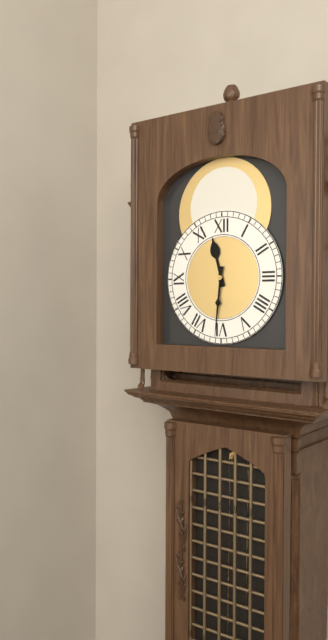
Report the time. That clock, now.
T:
11:31
